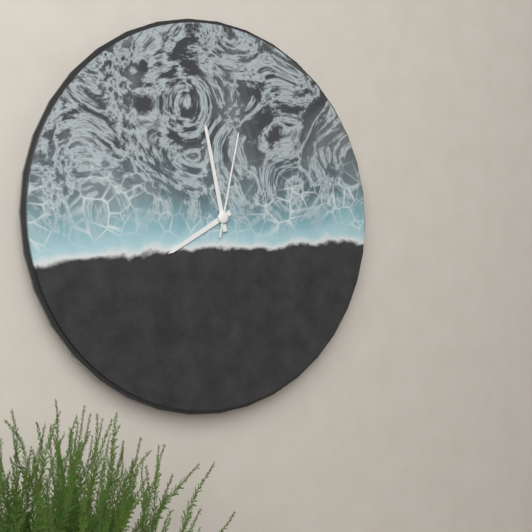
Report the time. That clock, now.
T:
7:58:02
